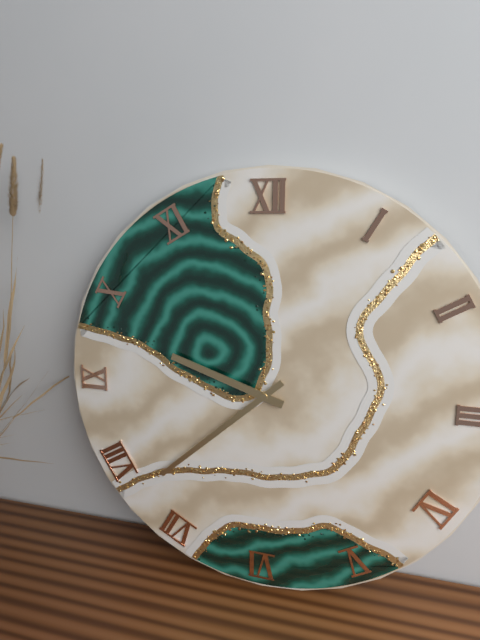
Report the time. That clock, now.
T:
9:38
